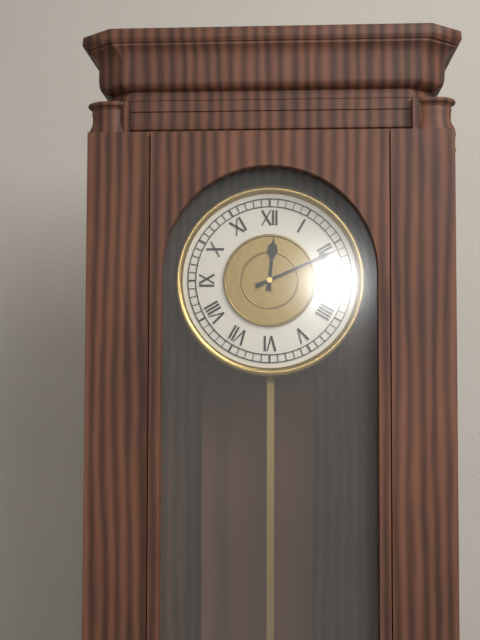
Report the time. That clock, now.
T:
12:11
